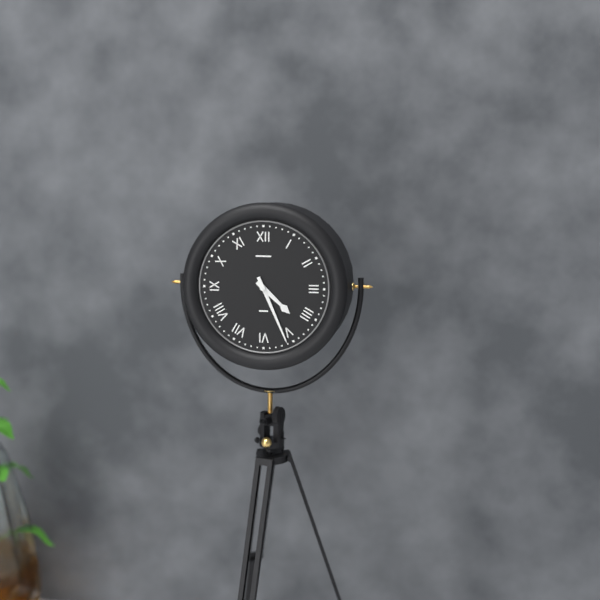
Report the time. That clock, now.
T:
4:26
